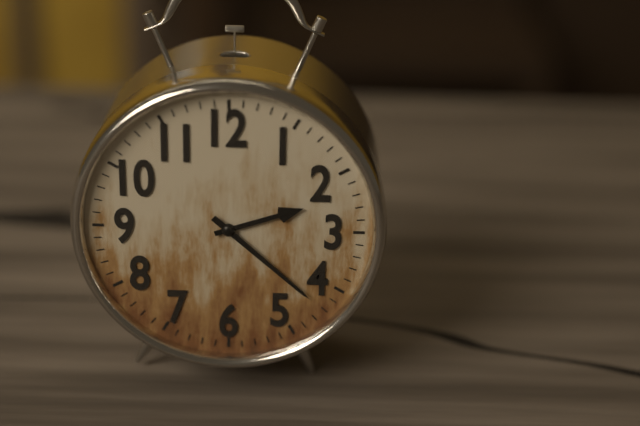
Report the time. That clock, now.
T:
2:22
